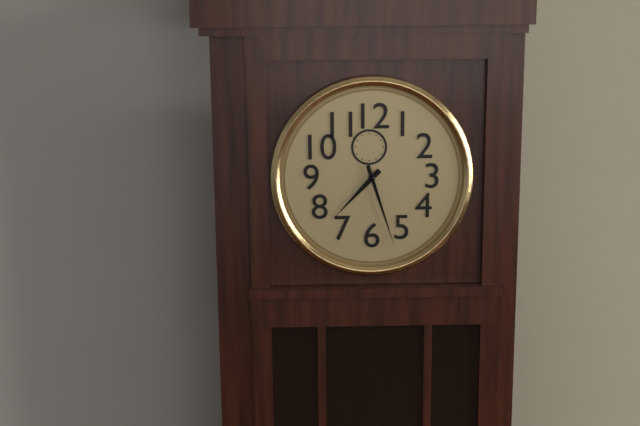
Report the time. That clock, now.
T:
7:27
